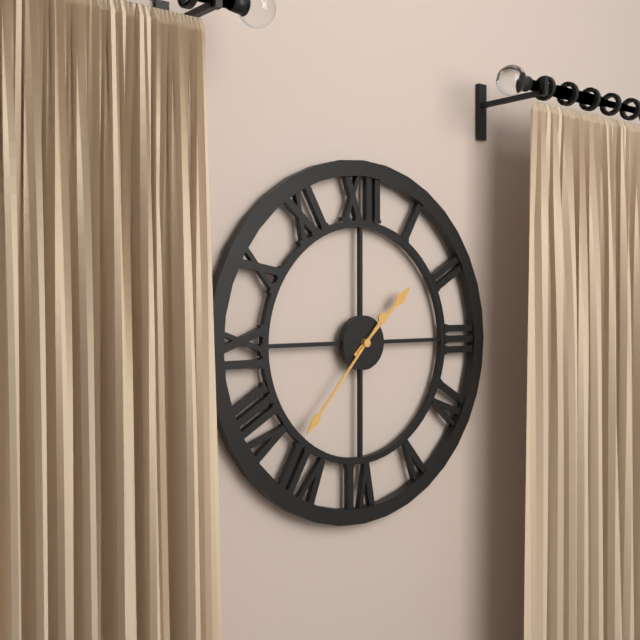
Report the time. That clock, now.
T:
1:37
